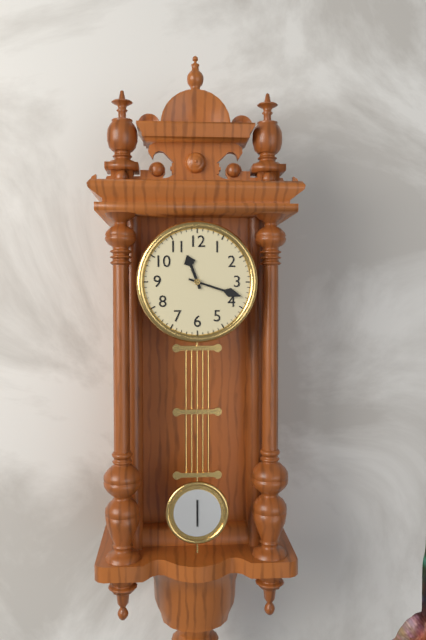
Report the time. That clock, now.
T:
11:18
